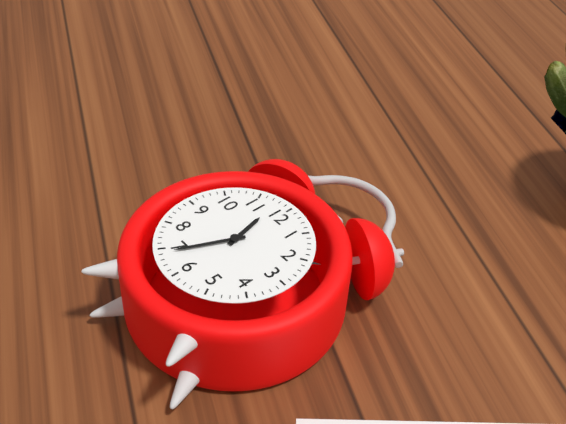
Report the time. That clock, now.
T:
11:34
